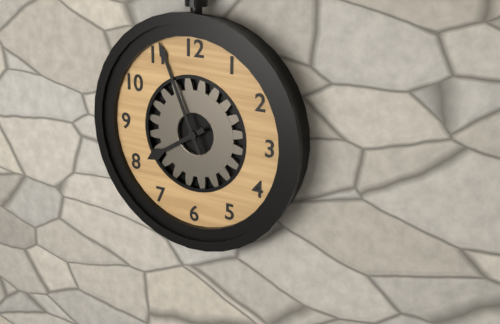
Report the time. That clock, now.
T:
7:56
